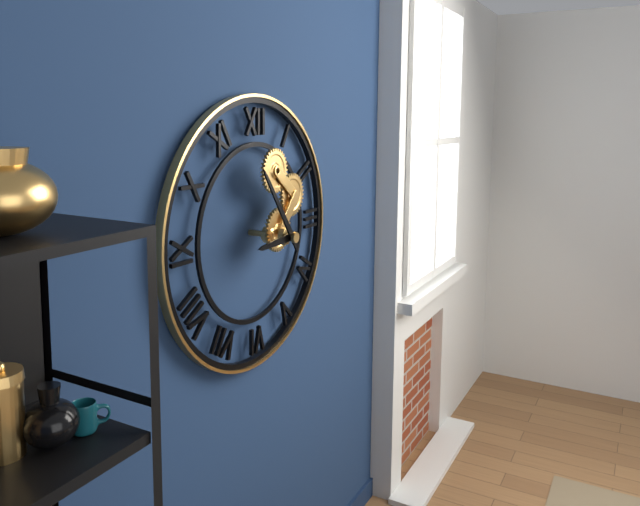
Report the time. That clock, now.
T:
8:54
